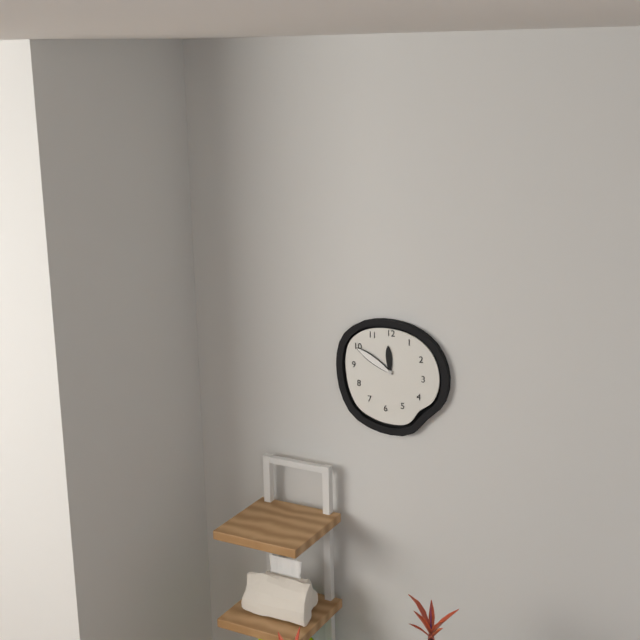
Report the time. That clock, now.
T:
11:50
